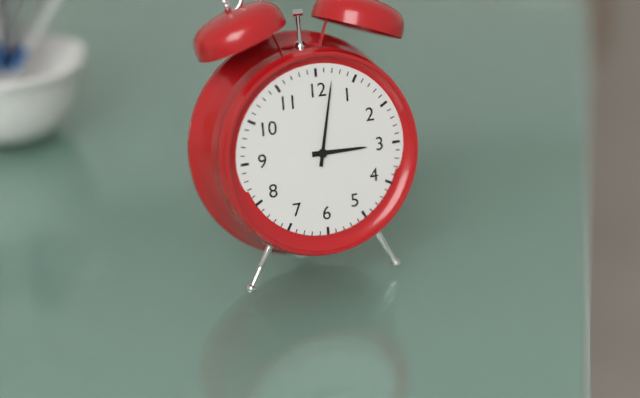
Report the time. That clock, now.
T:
3:02
